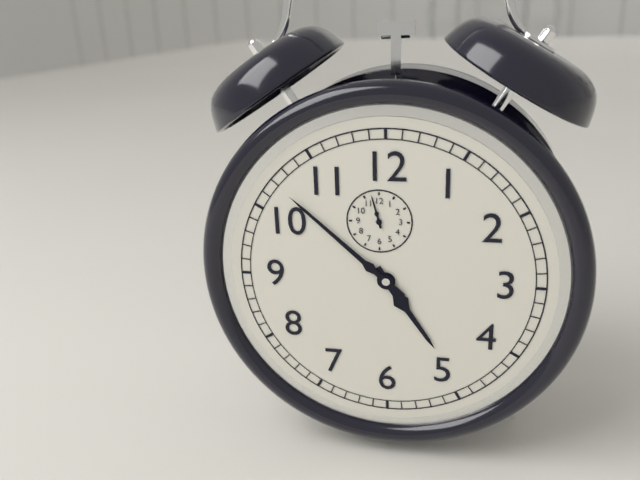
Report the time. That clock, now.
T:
4:52
